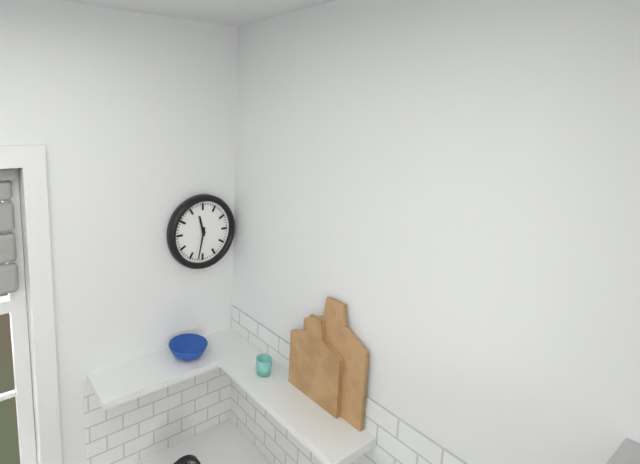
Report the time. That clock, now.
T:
11:32
